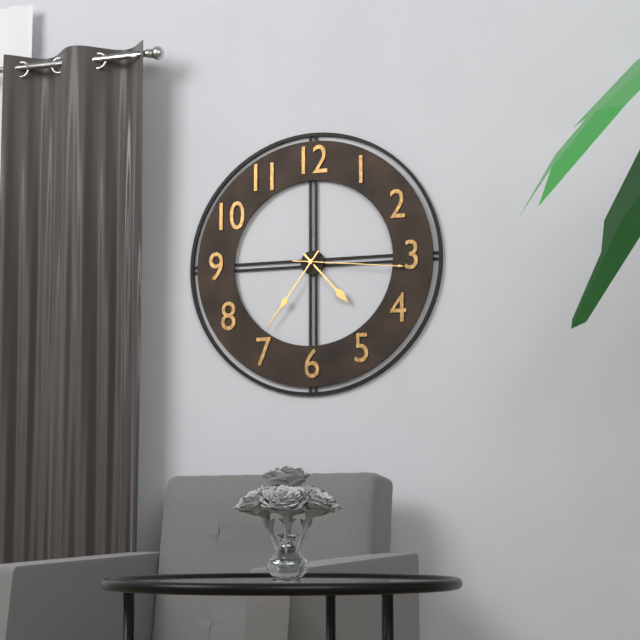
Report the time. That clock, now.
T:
4:36:16
